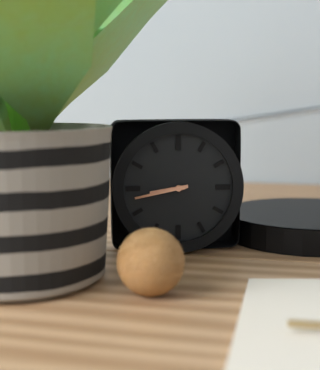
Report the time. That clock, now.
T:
8:43
